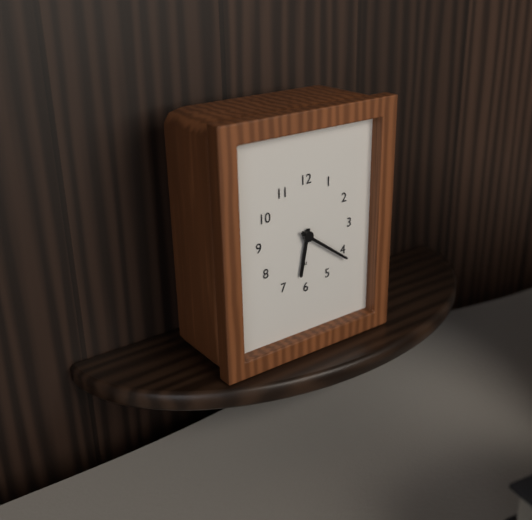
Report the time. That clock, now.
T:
6:21
